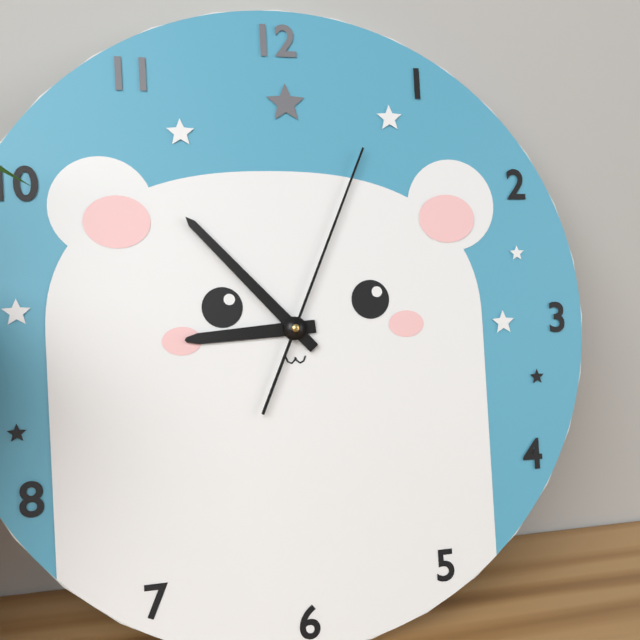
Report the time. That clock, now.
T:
8:53:04
